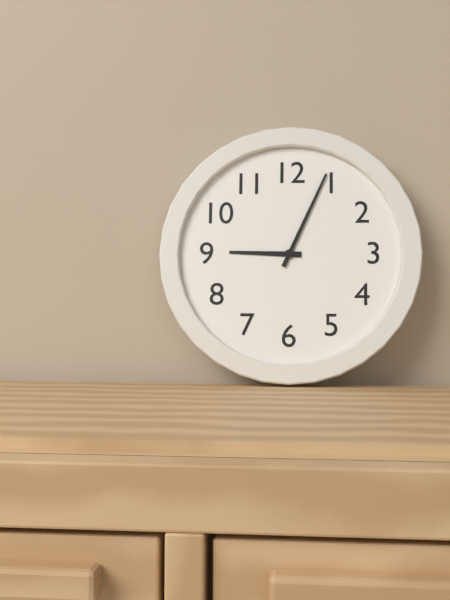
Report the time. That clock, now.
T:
9:04
